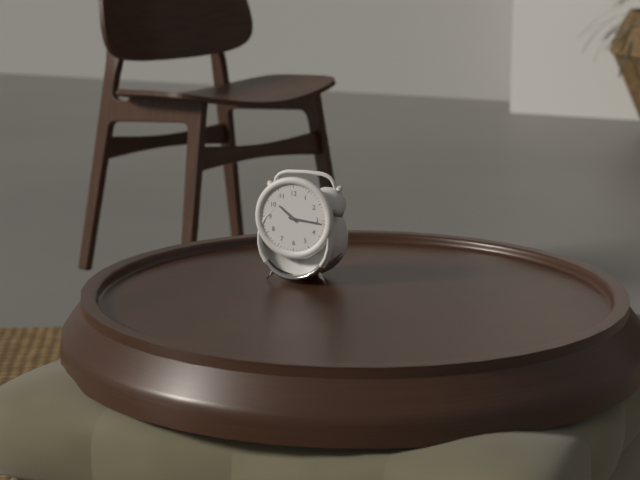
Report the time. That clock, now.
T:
10:16
